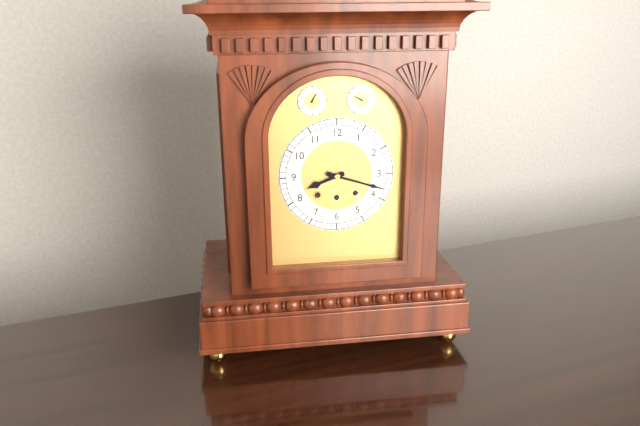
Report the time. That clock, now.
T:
8:18
